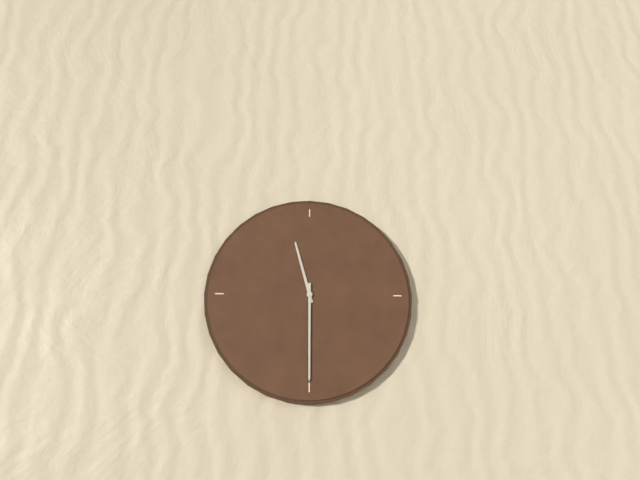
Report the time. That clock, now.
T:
11:30
